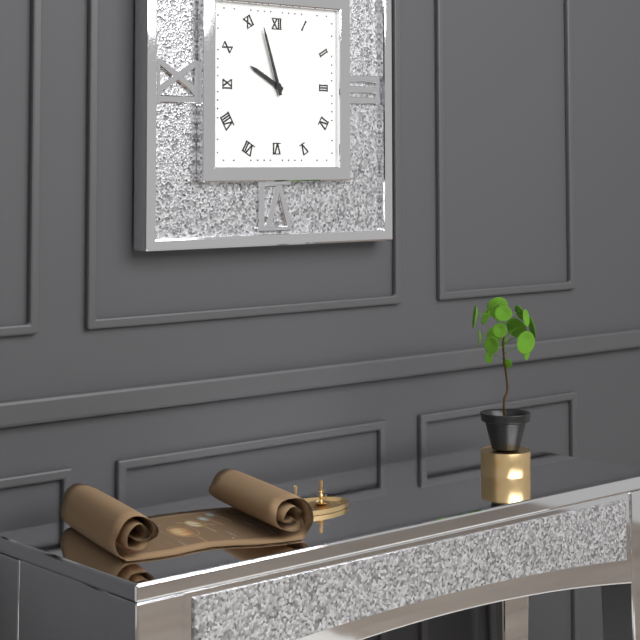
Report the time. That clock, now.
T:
9:57
